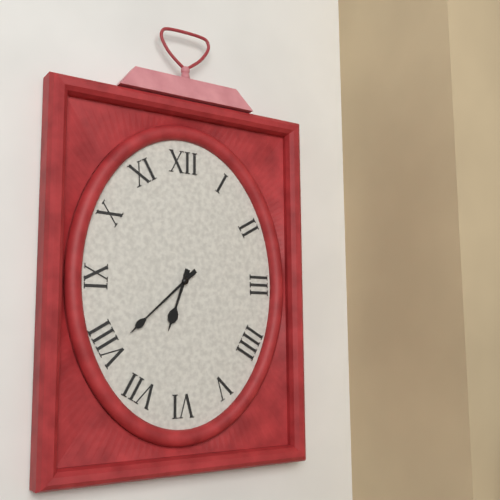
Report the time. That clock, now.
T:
6:38
